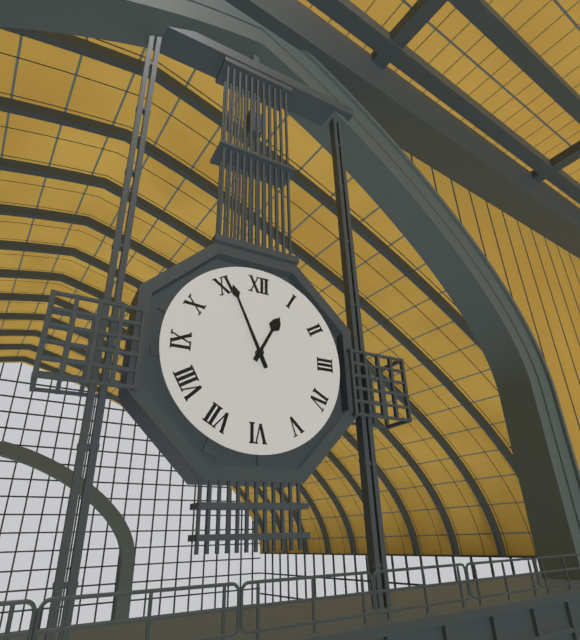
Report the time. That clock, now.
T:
12:56
